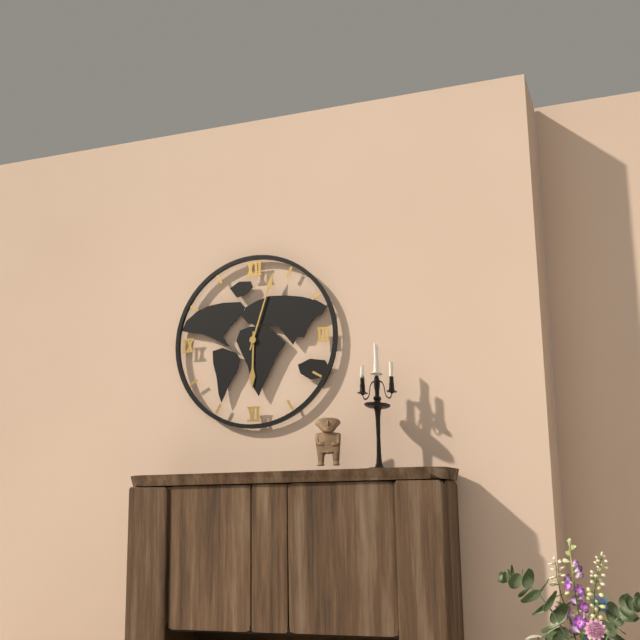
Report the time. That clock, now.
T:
6:03
